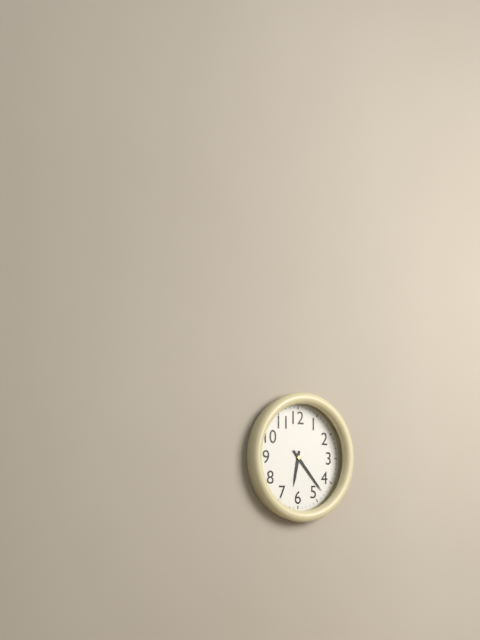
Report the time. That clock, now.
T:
6:23
